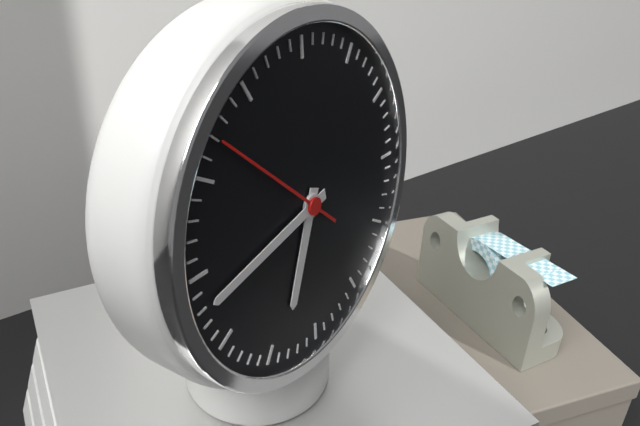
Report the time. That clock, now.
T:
6:43:52
